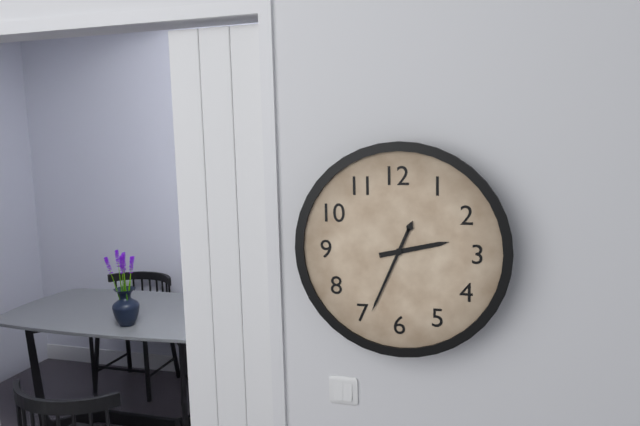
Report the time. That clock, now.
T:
2:34
